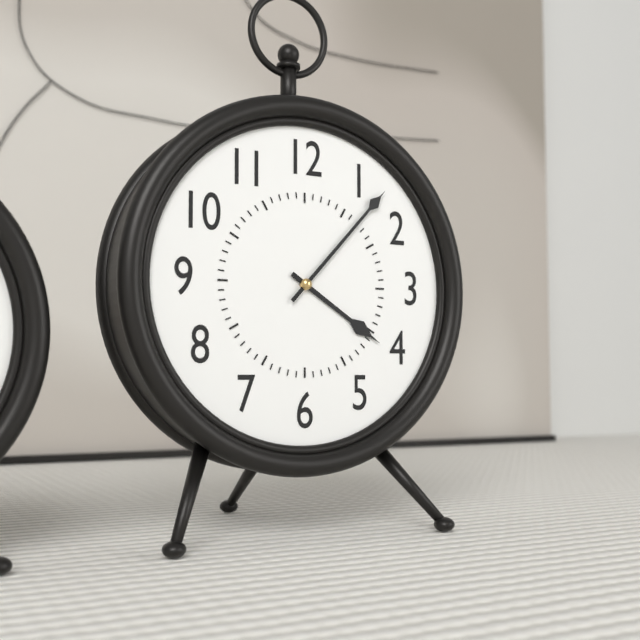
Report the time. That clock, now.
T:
4:07
